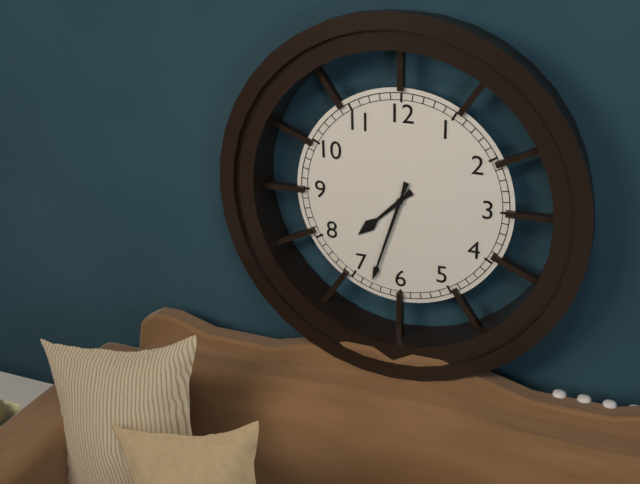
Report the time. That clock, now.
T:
7:33
